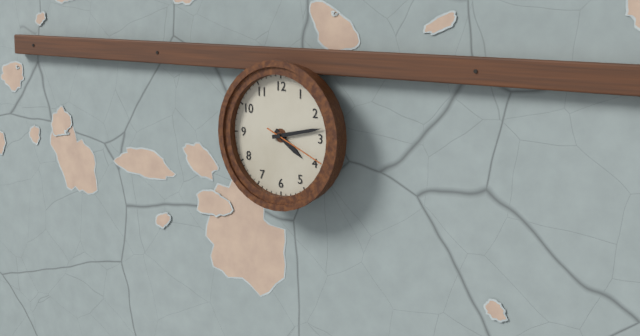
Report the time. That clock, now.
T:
4:13:19
